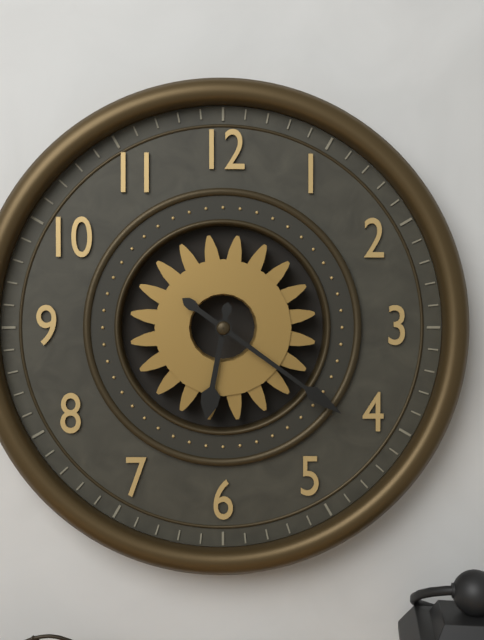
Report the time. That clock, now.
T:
6:21
